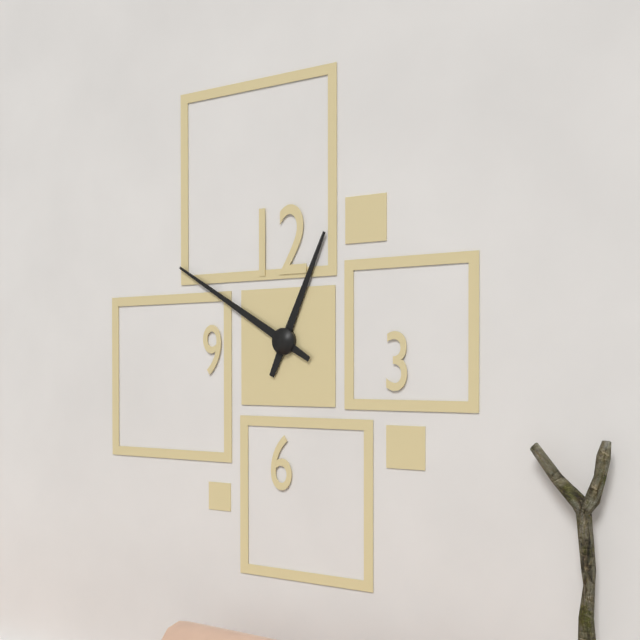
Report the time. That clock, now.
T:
12:50
